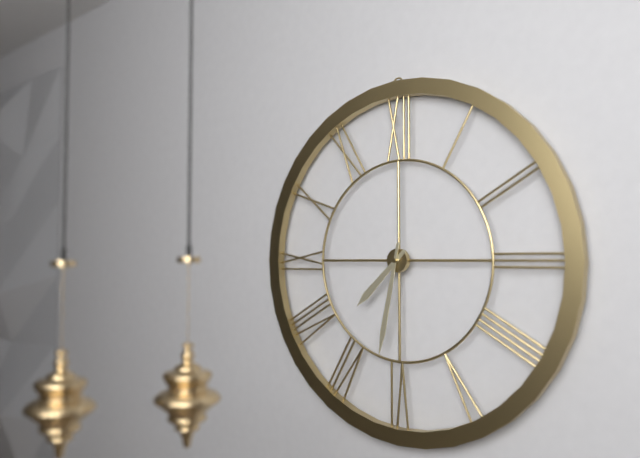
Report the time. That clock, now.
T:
7:32
